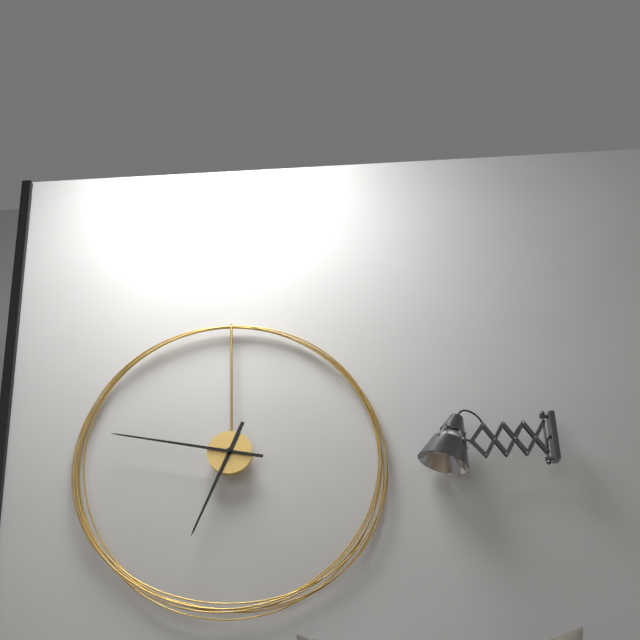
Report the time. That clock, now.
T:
6:47
